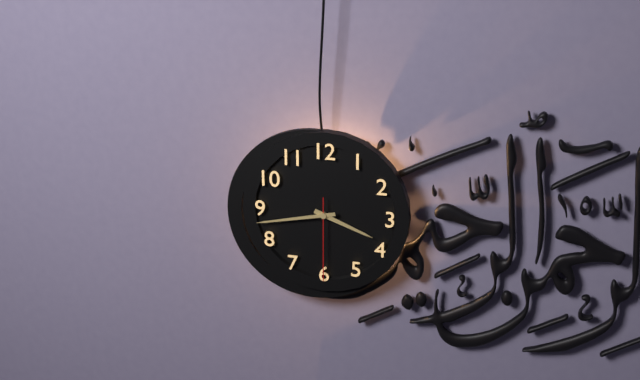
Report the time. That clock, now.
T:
3:43:30
